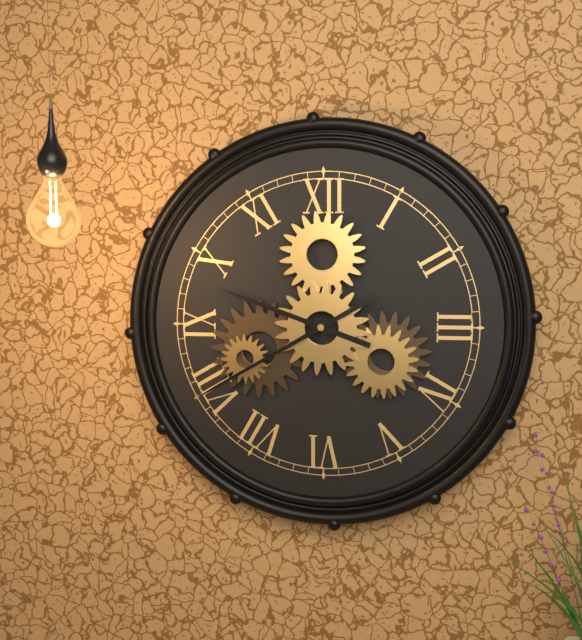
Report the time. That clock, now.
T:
9:40
